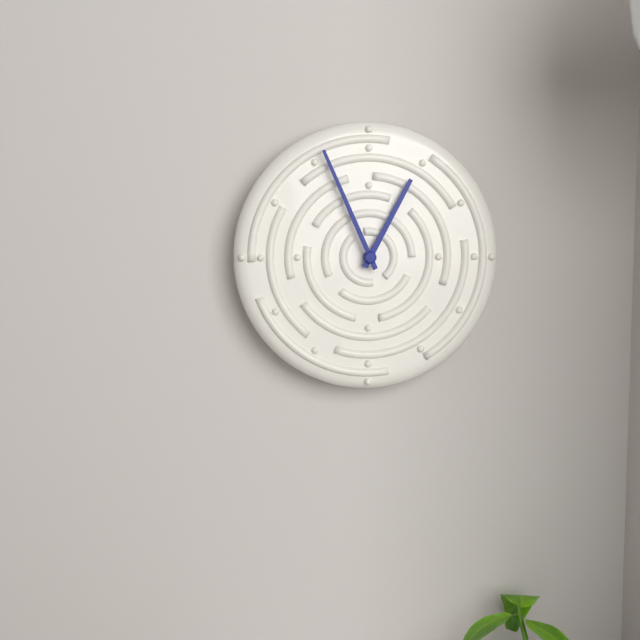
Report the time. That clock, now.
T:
12:56
